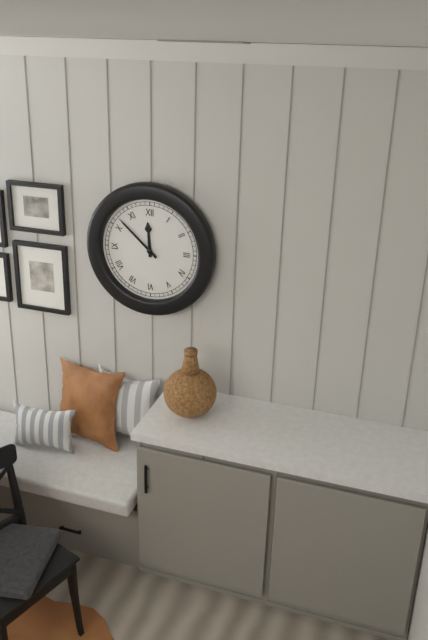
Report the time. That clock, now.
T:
11:52
